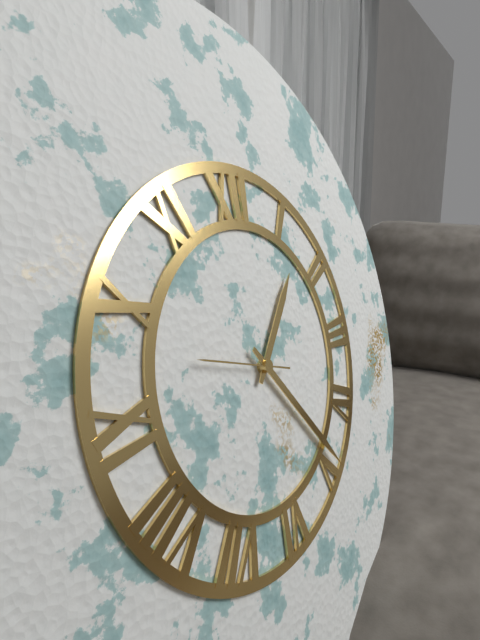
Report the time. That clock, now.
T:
1:24:48
